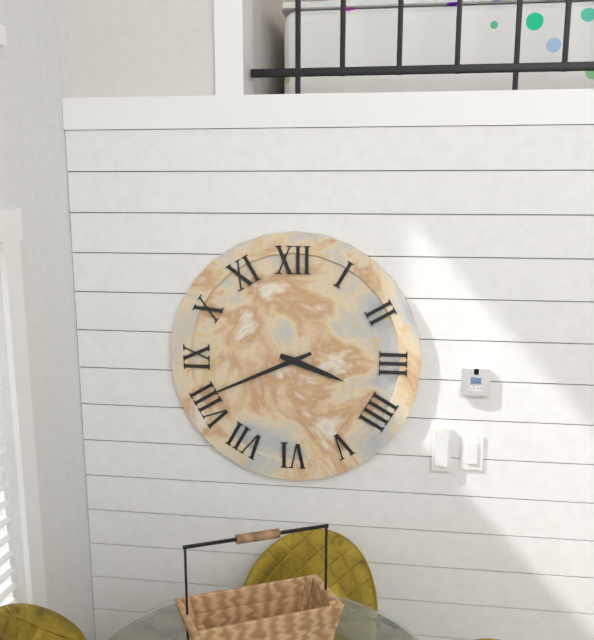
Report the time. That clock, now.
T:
3:41
